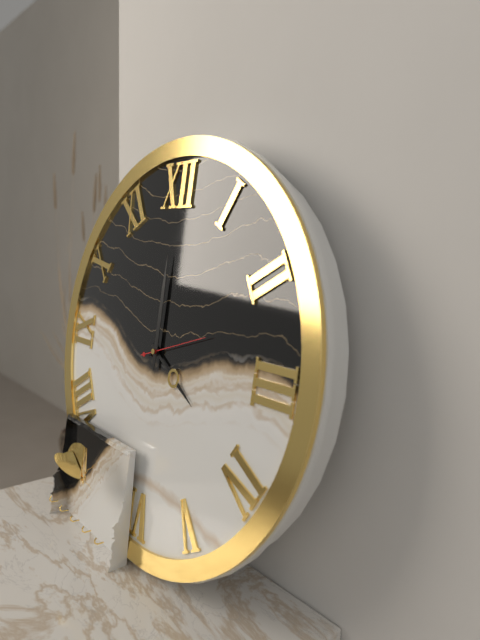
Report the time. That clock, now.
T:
4:00:12
